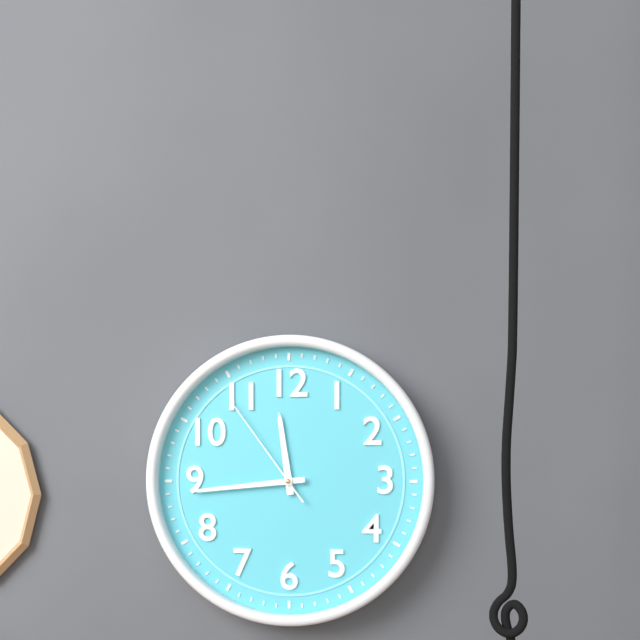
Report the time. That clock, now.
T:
11:44:54
